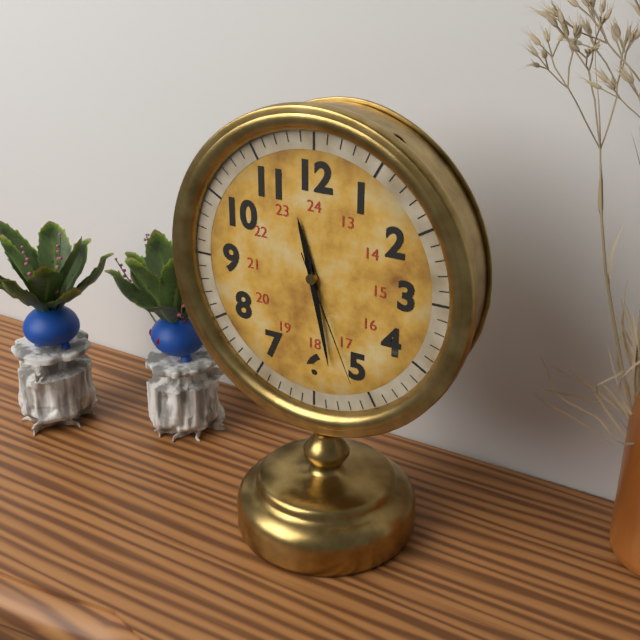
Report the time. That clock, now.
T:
11:28:26
